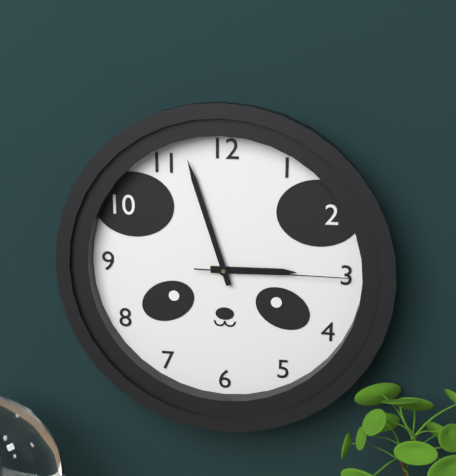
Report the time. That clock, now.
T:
2:57:15
